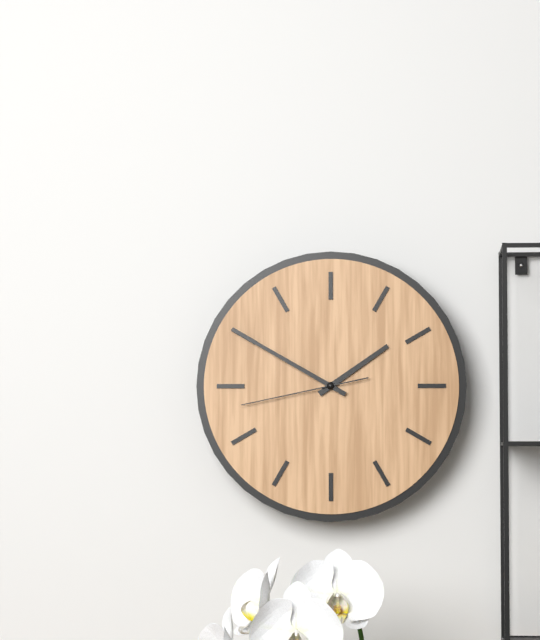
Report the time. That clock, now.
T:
1:50:43
